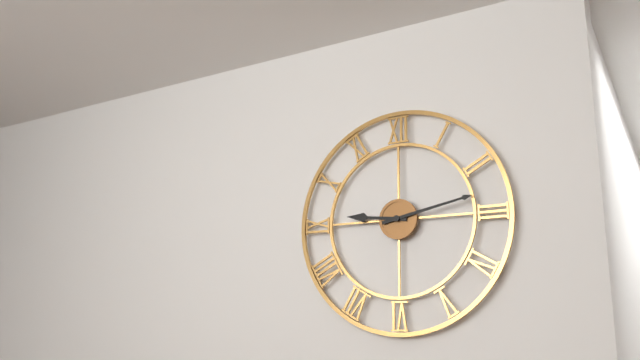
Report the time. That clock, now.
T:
9:13
